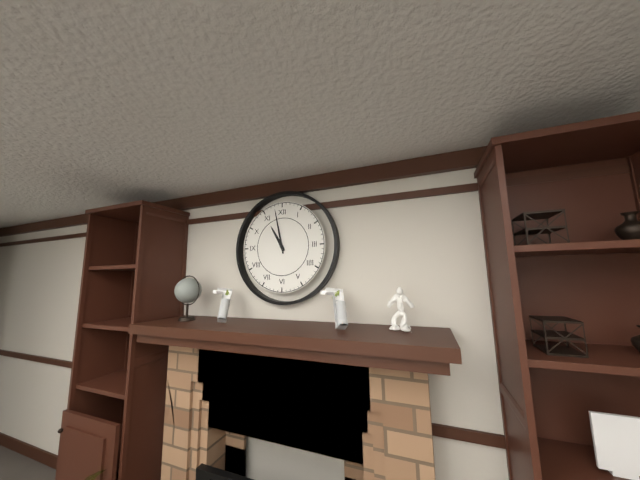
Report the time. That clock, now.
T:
10:58
